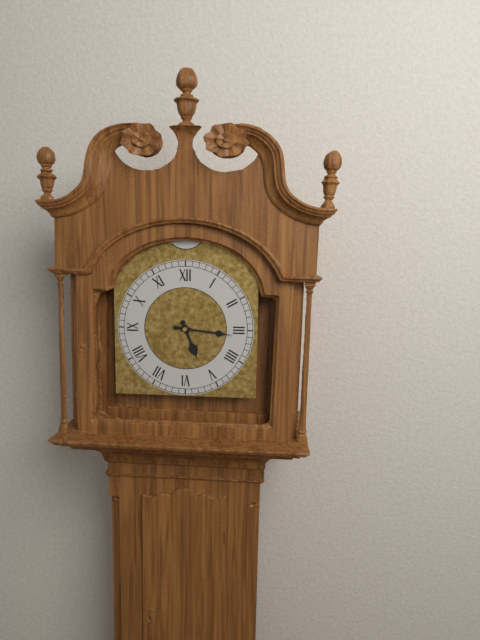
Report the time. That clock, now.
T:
5:16
